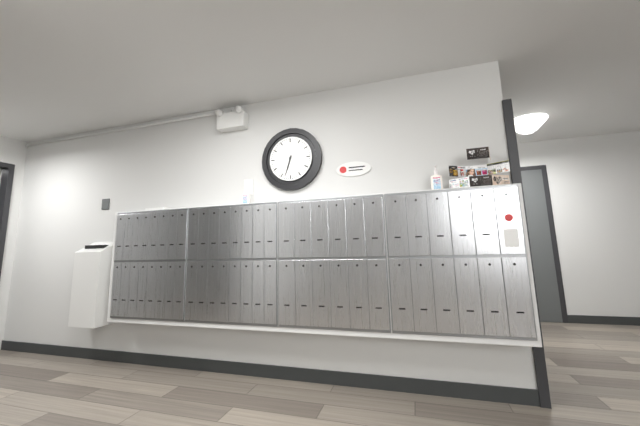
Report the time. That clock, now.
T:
6:33
